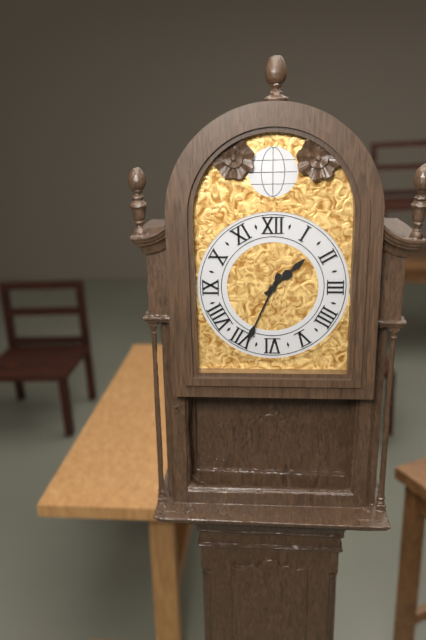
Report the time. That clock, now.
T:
1:34
